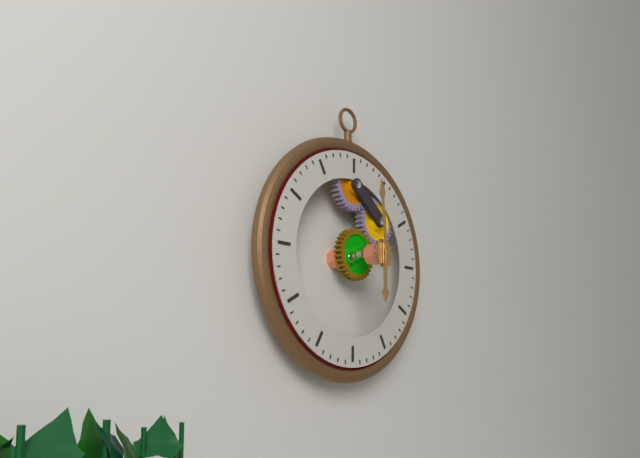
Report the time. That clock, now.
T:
5:59
